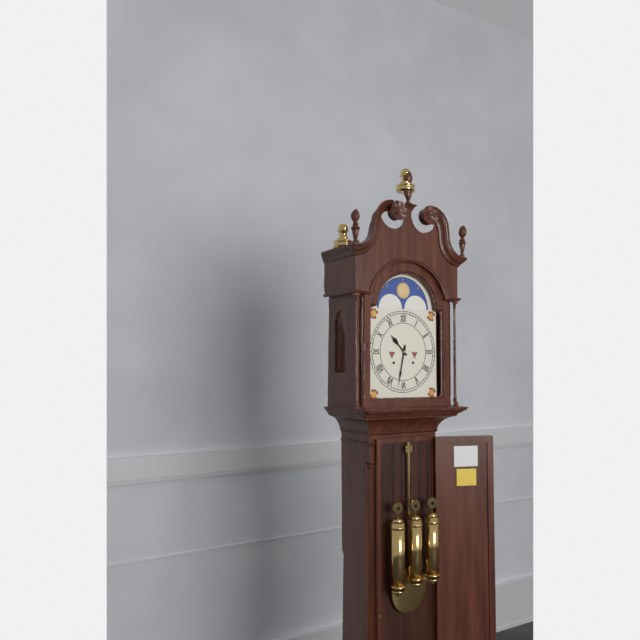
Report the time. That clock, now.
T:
10:32
